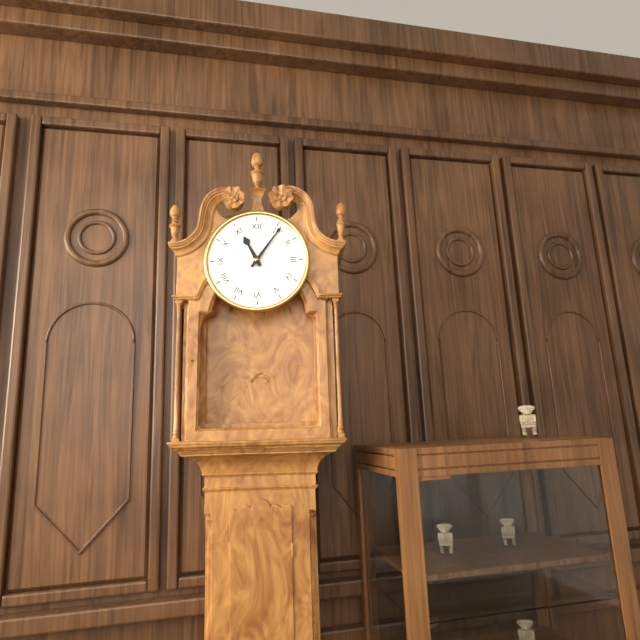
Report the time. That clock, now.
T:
11:06
